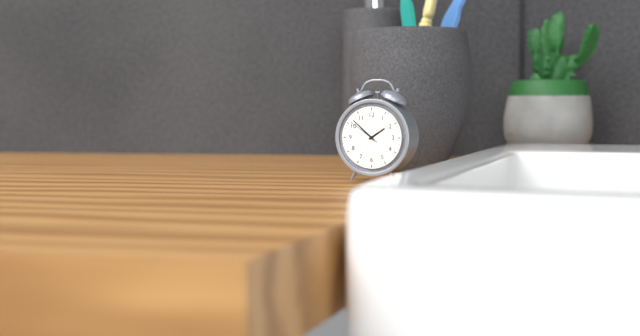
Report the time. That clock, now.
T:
1:52
